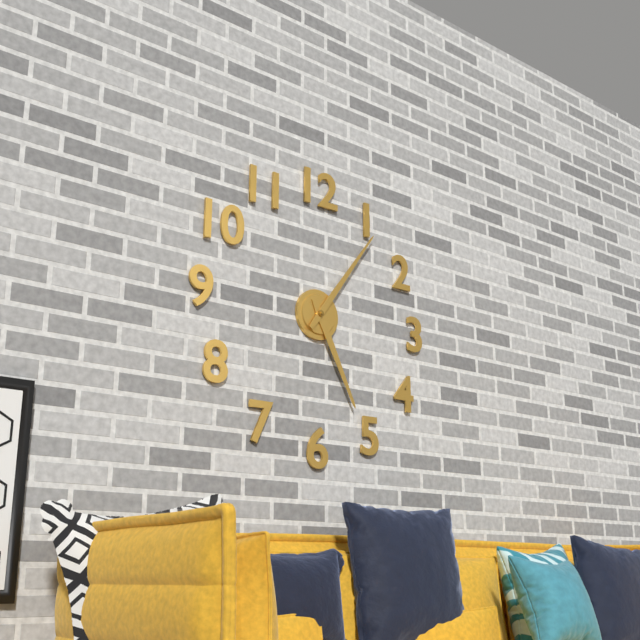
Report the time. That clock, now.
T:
5:06
